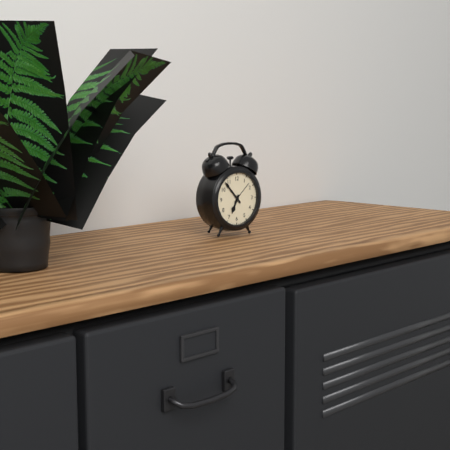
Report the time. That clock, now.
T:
6:53
